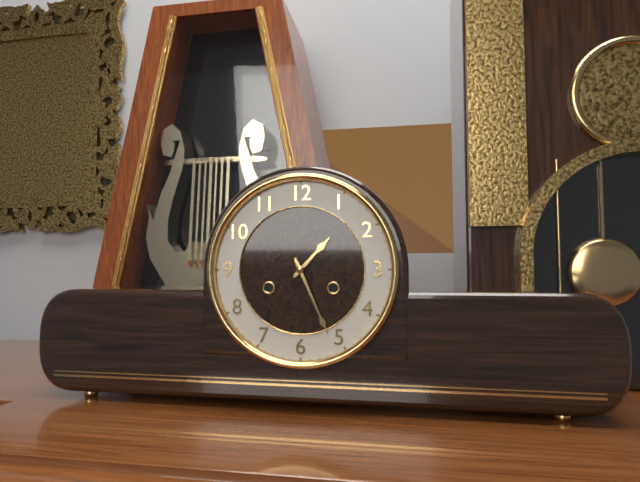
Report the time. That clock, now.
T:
1:26
